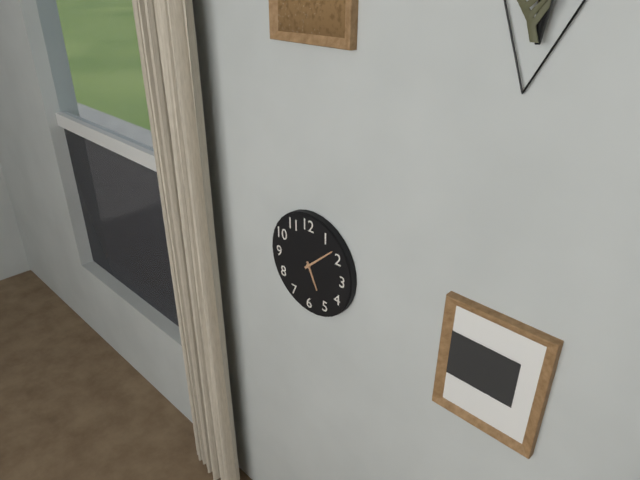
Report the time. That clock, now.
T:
5:08
